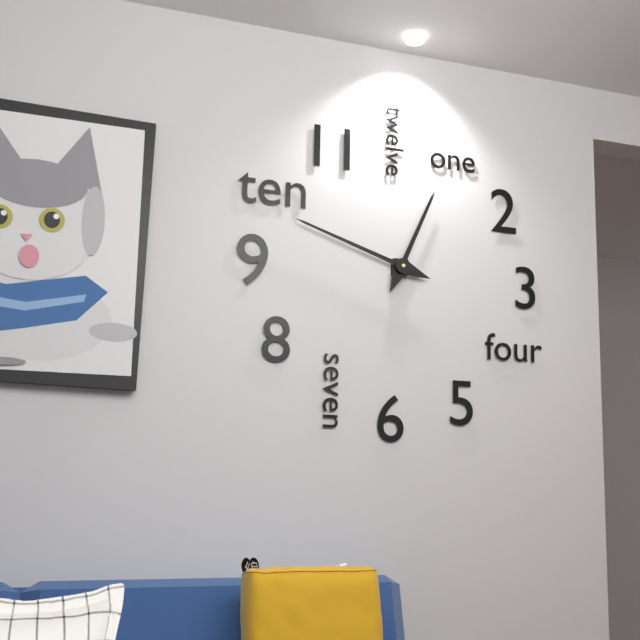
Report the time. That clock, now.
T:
12:48
